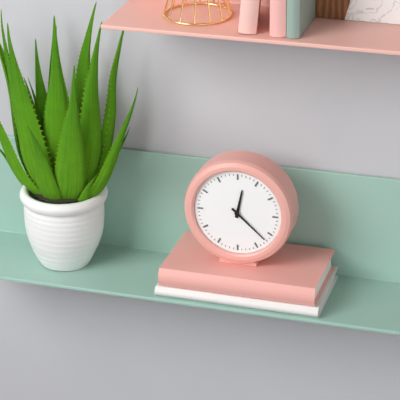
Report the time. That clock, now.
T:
12:22
